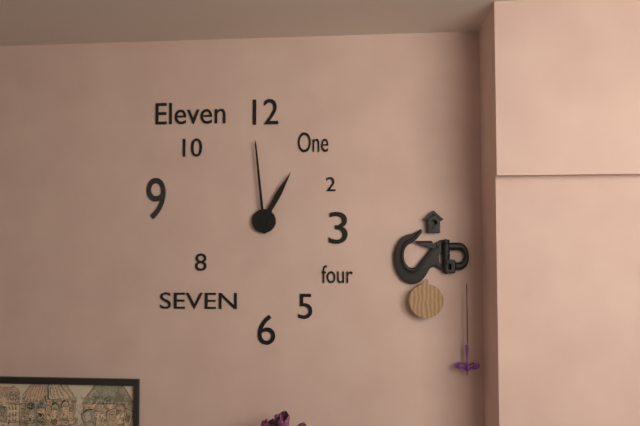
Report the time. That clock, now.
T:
12:59
